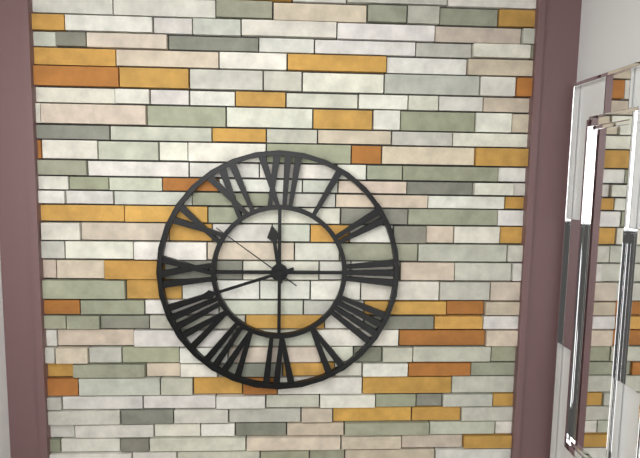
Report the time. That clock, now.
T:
11:42:51
